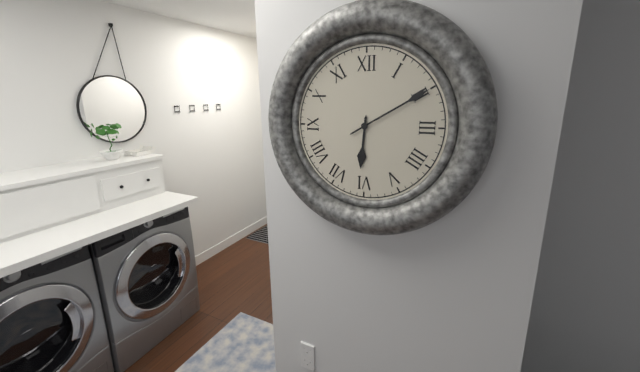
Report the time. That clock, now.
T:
6:10
